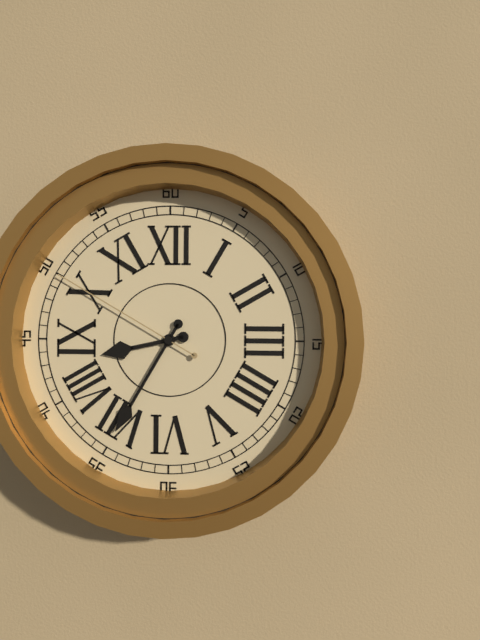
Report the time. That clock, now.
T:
8:35:50
